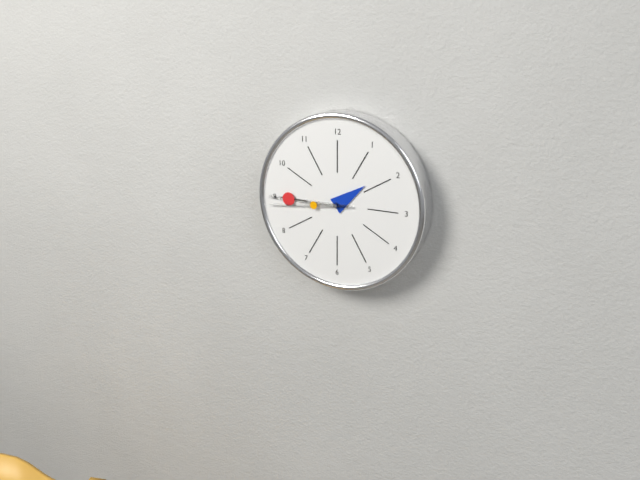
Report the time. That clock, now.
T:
1:45:44
